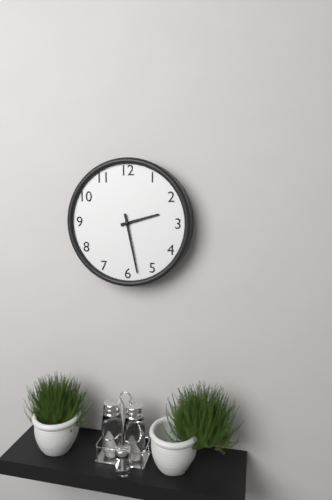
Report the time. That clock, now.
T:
2:28
